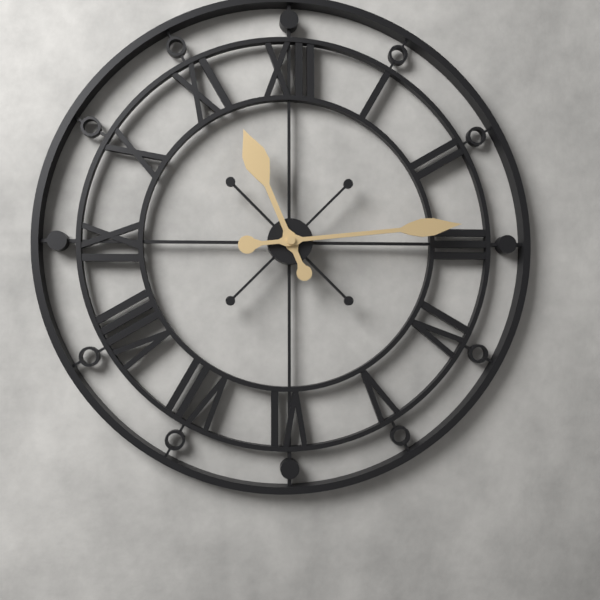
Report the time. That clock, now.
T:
11:14
